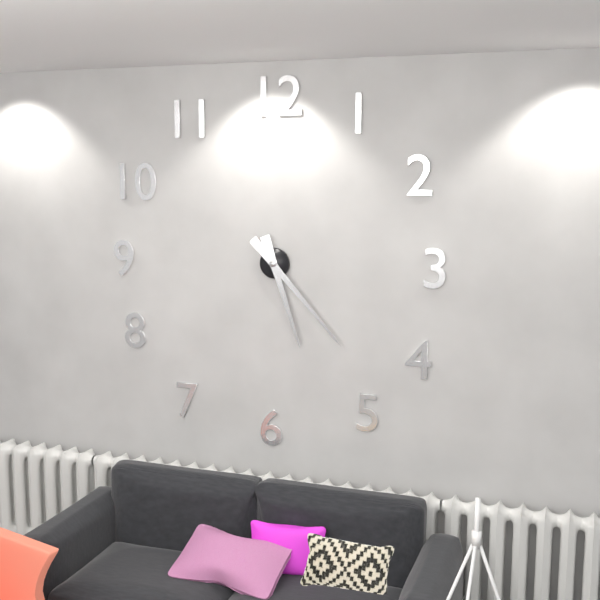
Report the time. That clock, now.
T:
5:23
